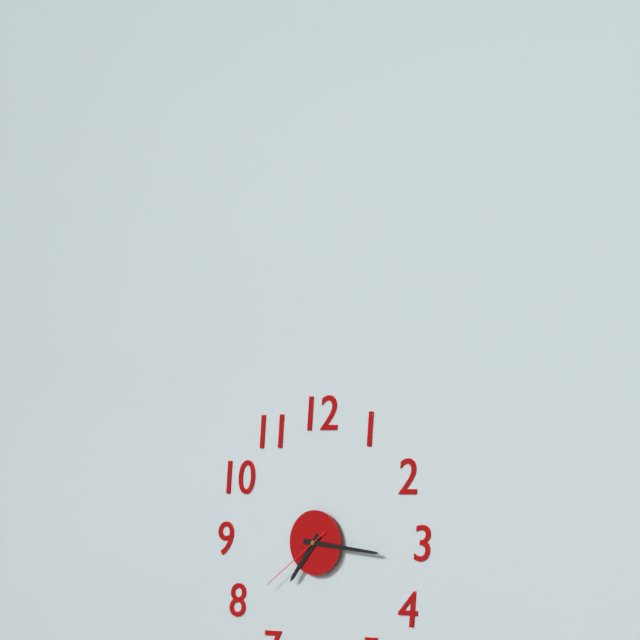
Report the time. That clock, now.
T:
7:16:39
